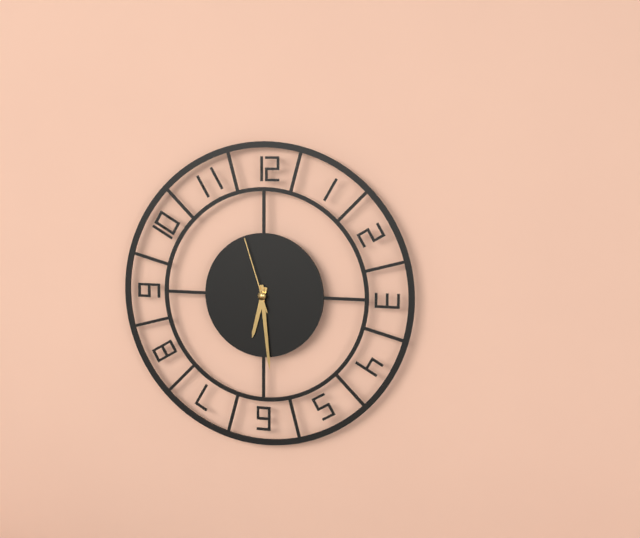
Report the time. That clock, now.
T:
6:29:57
